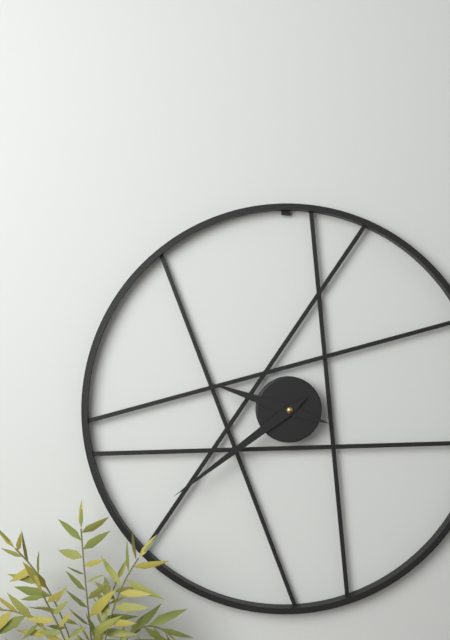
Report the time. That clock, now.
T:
9:39
